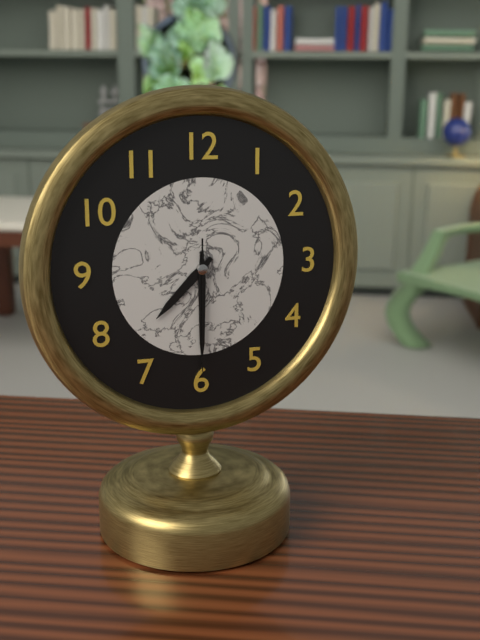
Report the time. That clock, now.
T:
7:30:30
